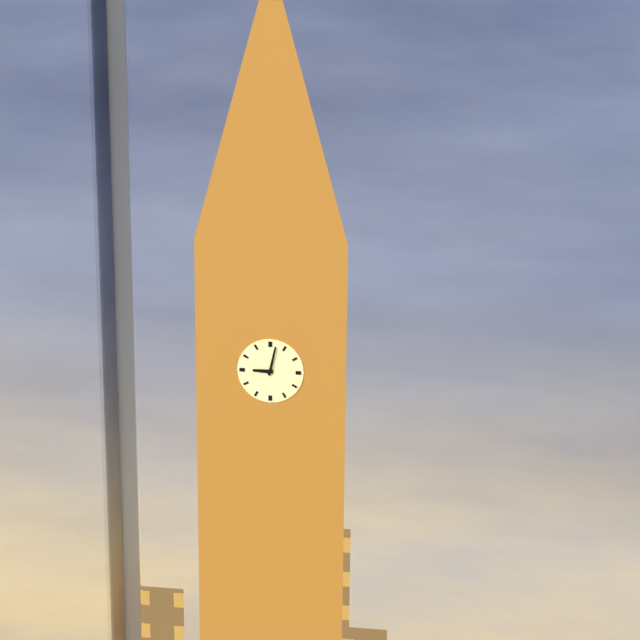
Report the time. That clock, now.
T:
9:02
